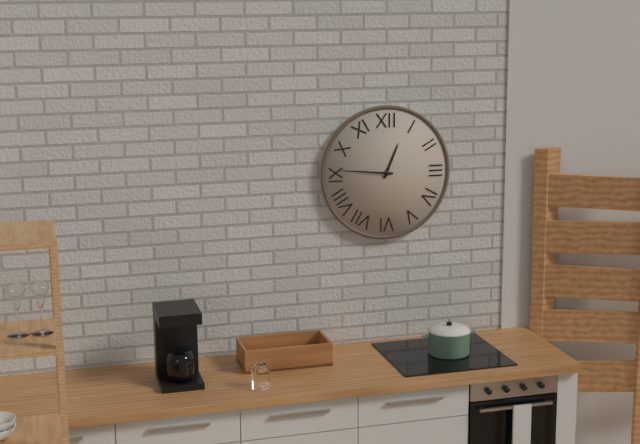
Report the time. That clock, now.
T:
12:46
